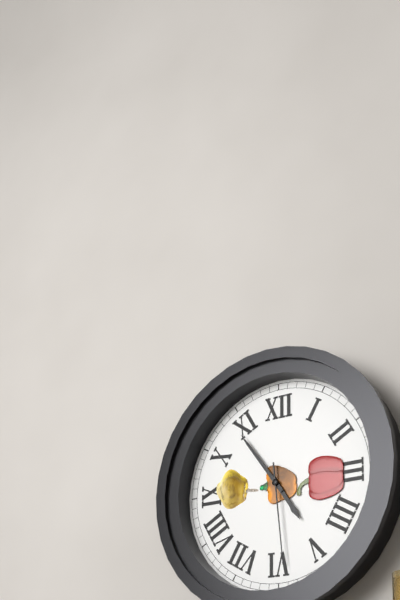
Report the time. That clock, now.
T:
4:54:29
